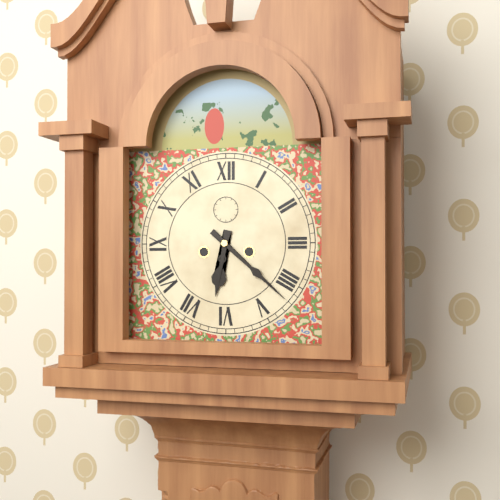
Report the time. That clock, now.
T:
6:22
